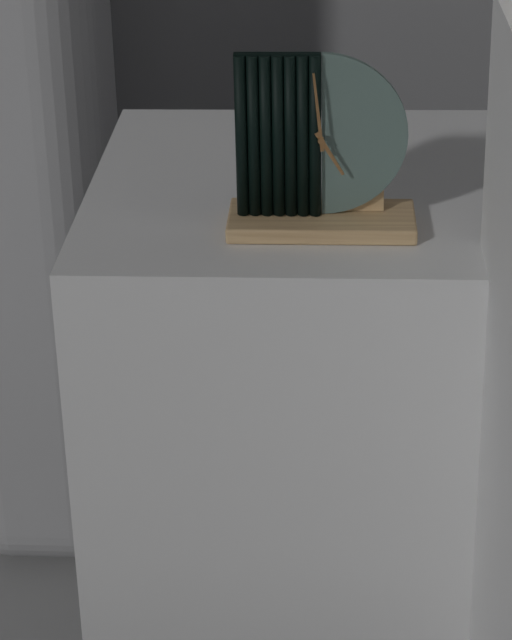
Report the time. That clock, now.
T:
4:59
